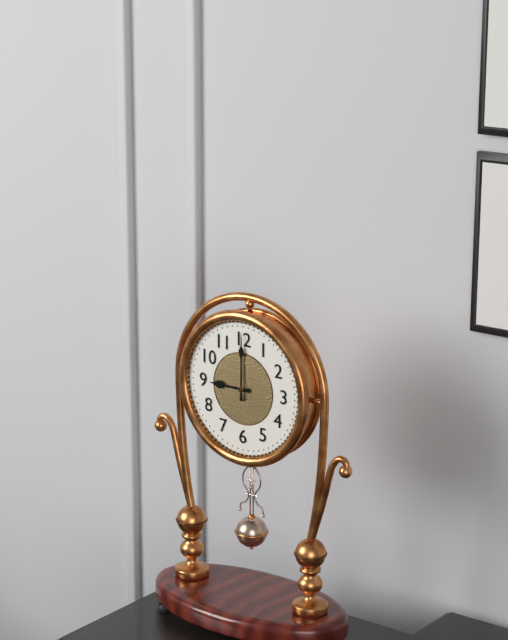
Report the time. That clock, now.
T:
9:00
